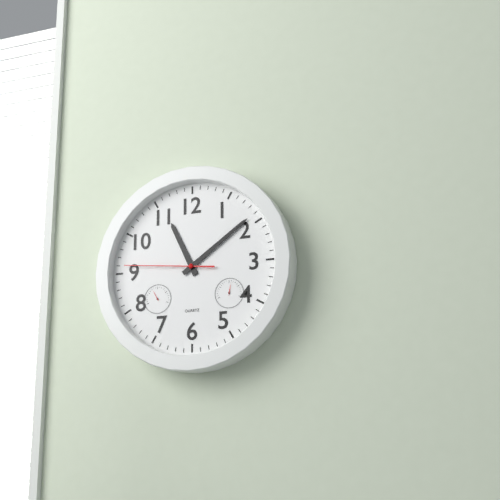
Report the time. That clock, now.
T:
11:09:46
